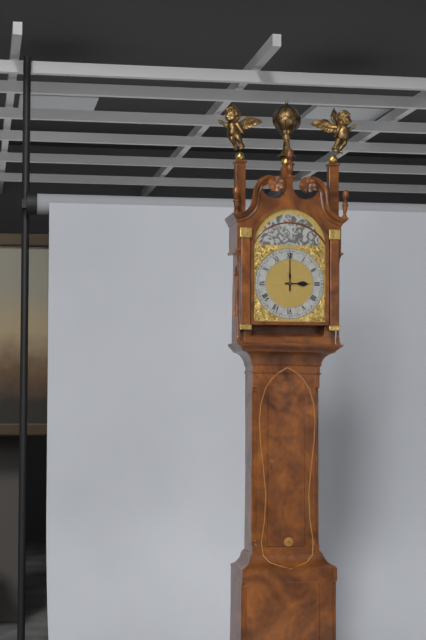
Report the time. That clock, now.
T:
3:00
